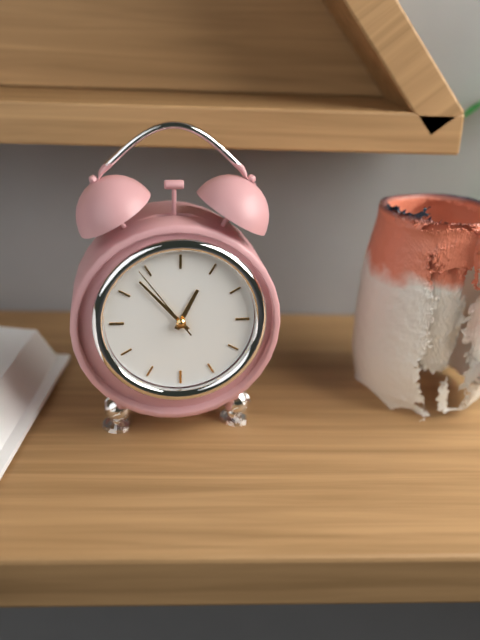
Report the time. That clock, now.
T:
12:53:54
